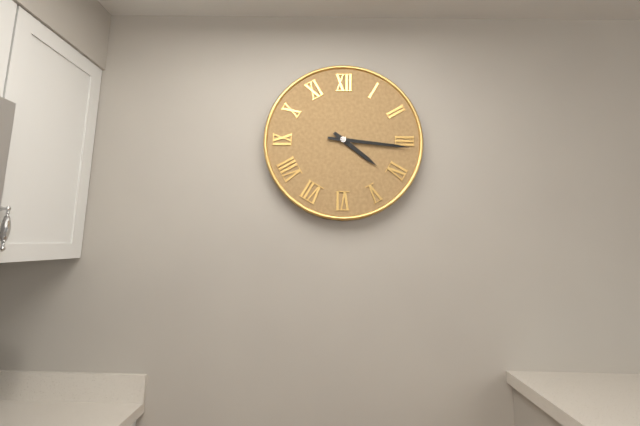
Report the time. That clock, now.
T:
4:16
